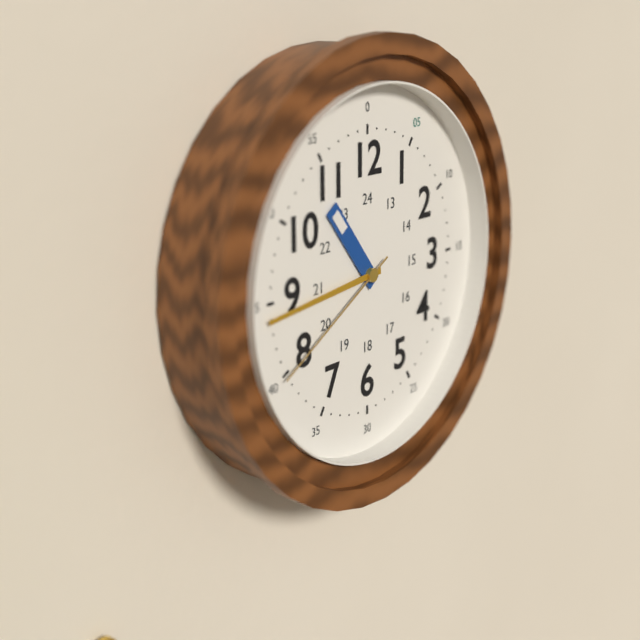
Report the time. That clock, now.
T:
10:44:40
